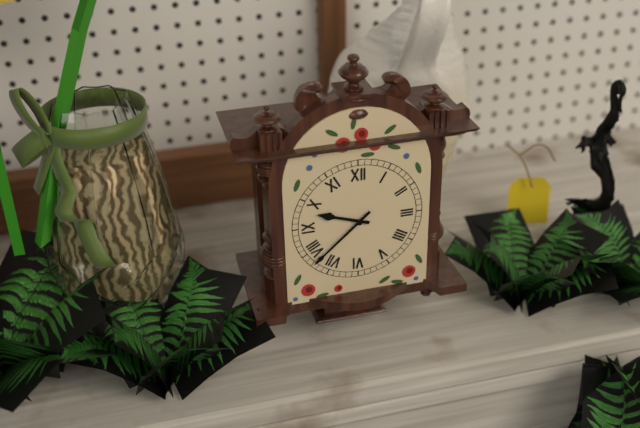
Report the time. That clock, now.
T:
9:38
